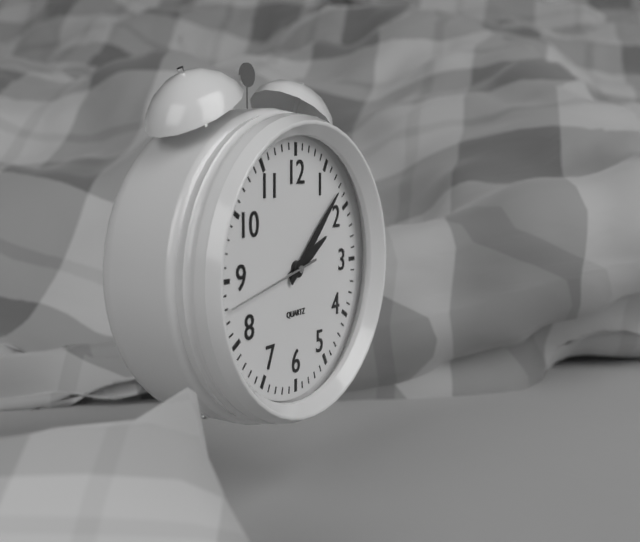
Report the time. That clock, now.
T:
2:08:43
